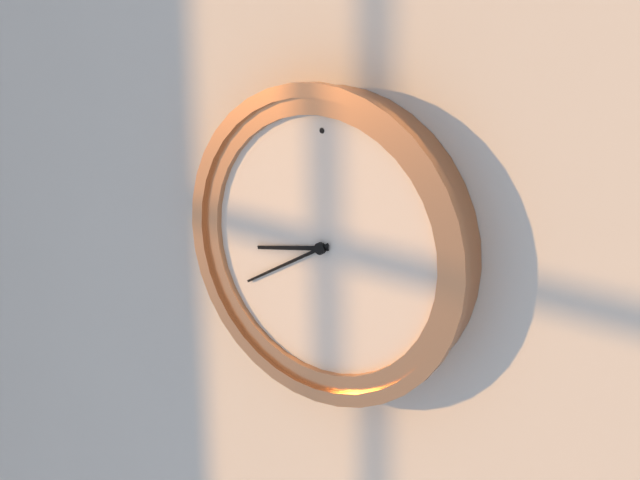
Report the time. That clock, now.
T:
8:40
